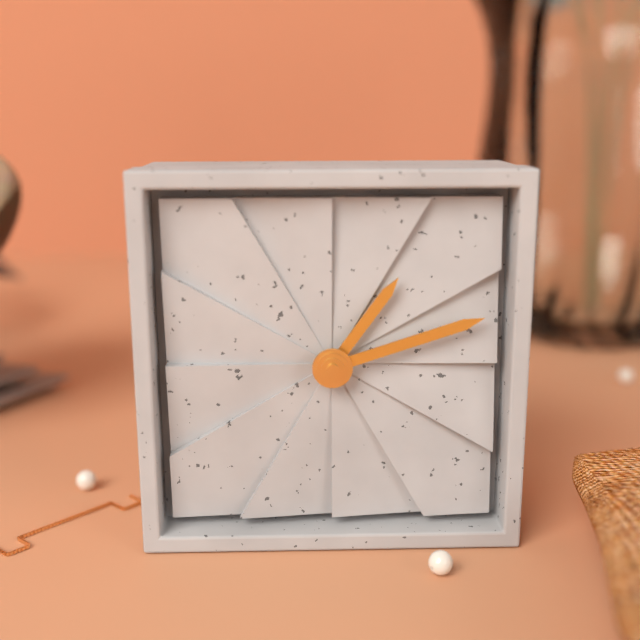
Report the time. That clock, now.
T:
1:12
